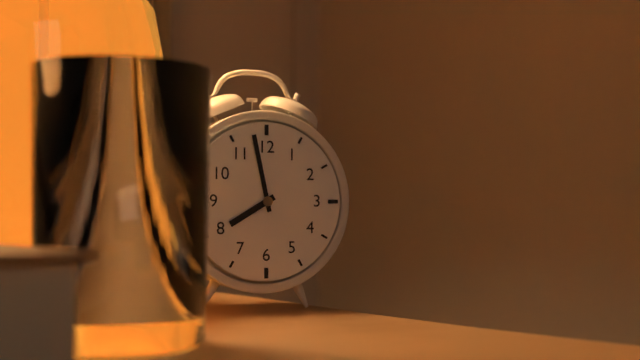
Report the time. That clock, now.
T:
7:58
